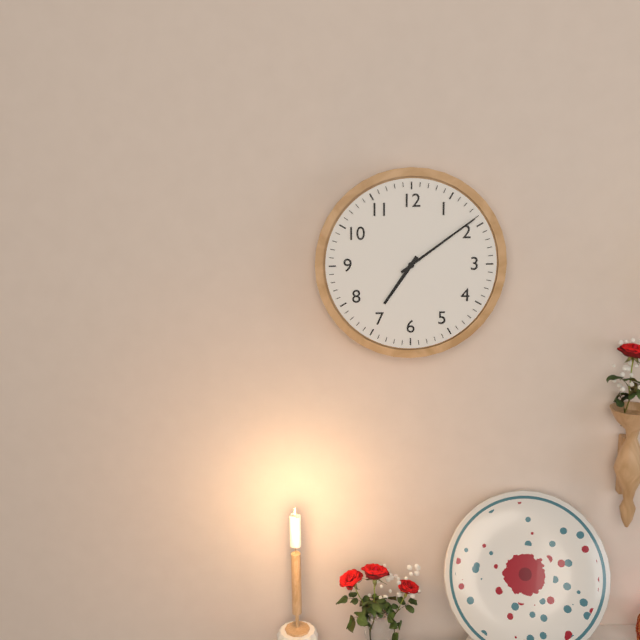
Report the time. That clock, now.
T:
7:09
